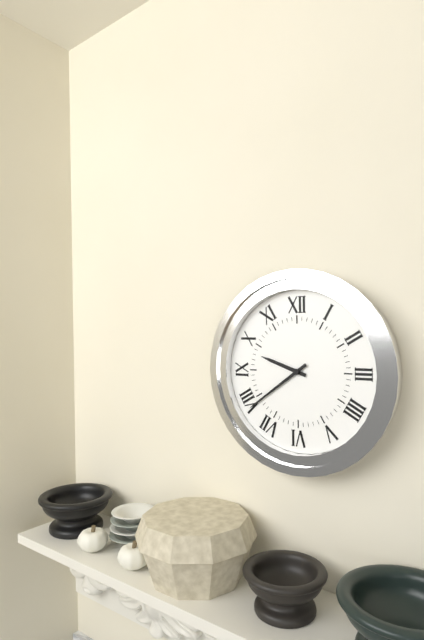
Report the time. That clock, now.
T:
9:39
